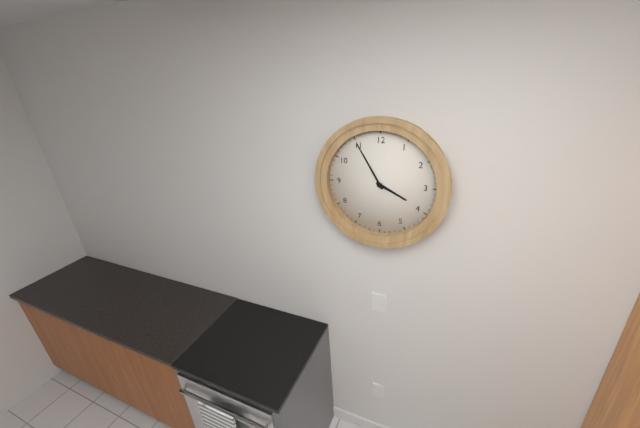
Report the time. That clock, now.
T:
3:55
